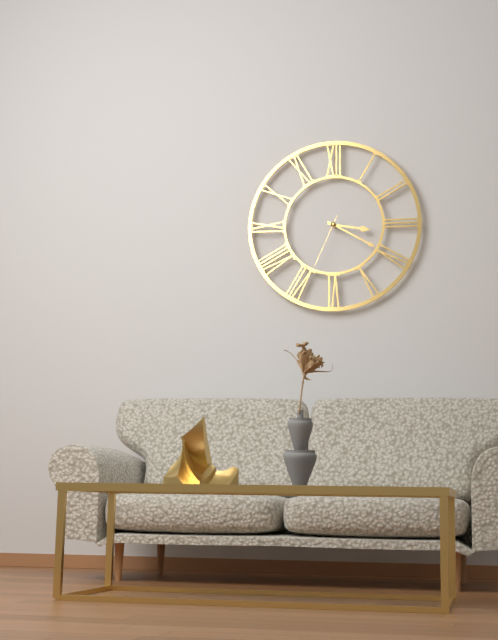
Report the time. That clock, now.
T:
3:20:34
